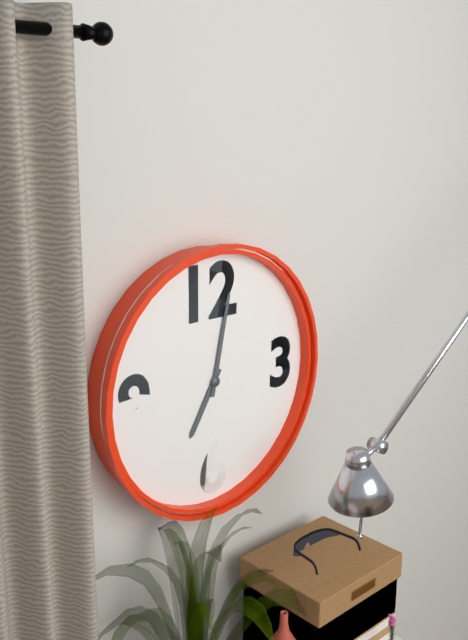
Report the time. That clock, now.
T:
7:02
